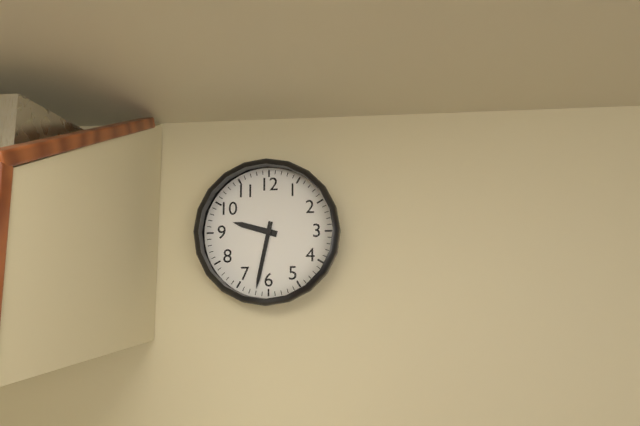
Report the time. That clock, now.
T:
9:32
